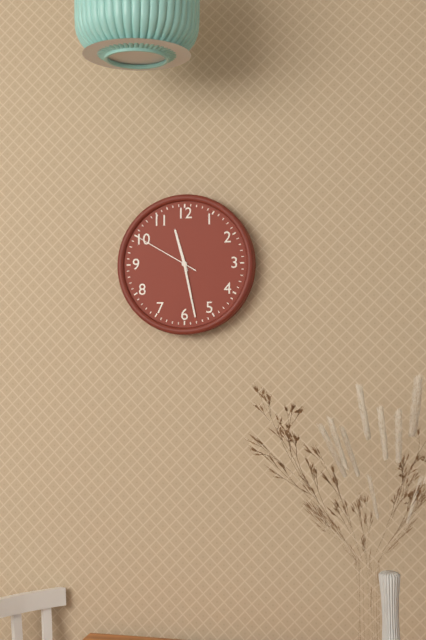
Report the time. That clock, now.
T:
11:28:50
